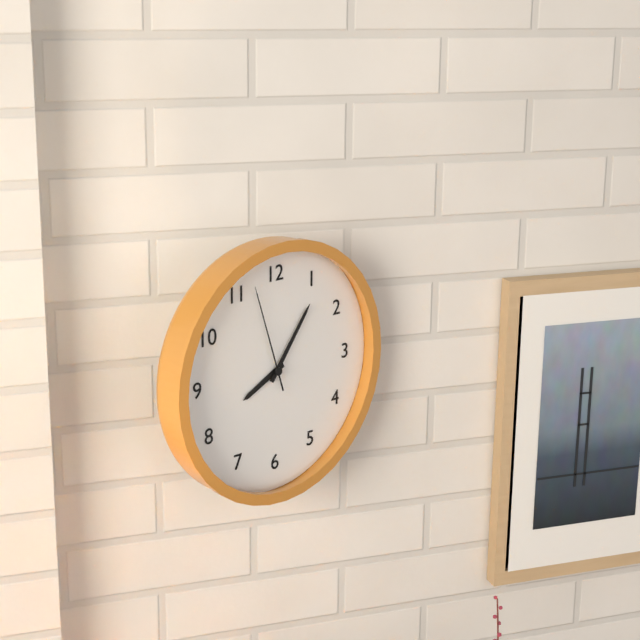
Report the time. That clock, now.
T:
8:06:57
